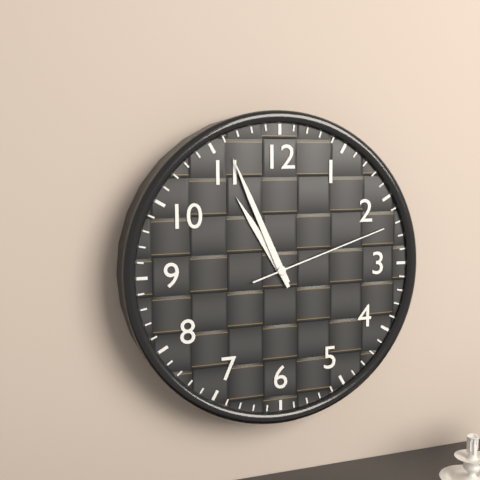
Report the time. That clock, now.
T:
10:56:12
